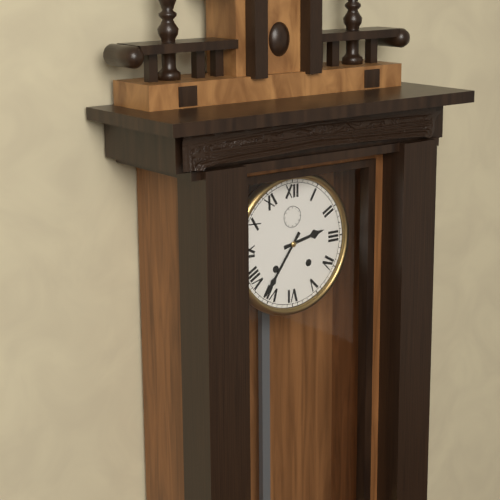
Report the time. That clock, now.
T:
2:36
